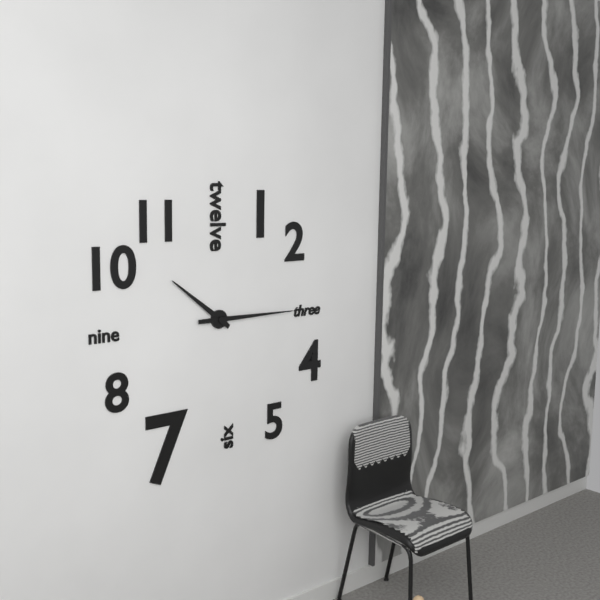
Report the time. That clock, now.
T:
10:15
